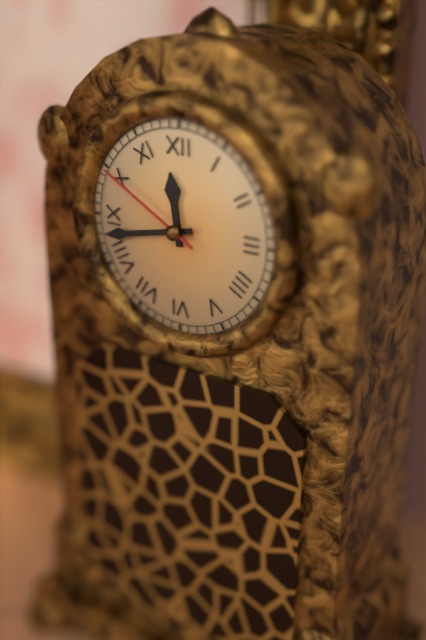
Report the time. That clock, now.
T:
11:43:50
